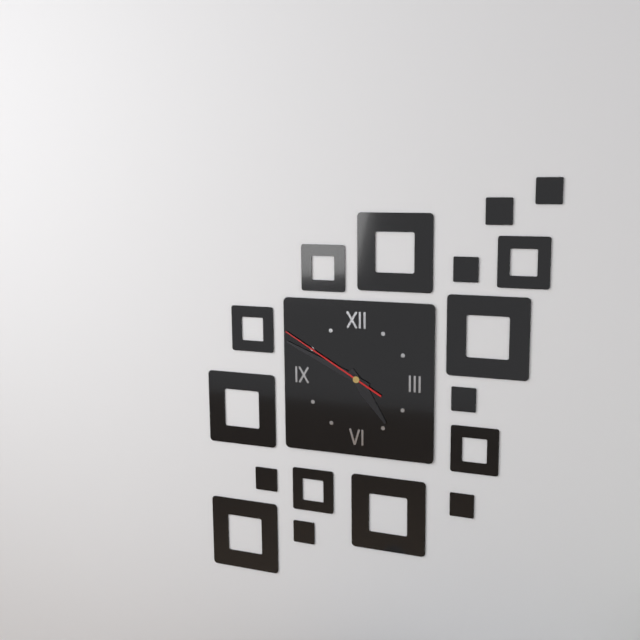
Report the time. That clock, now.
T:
4:49:50
